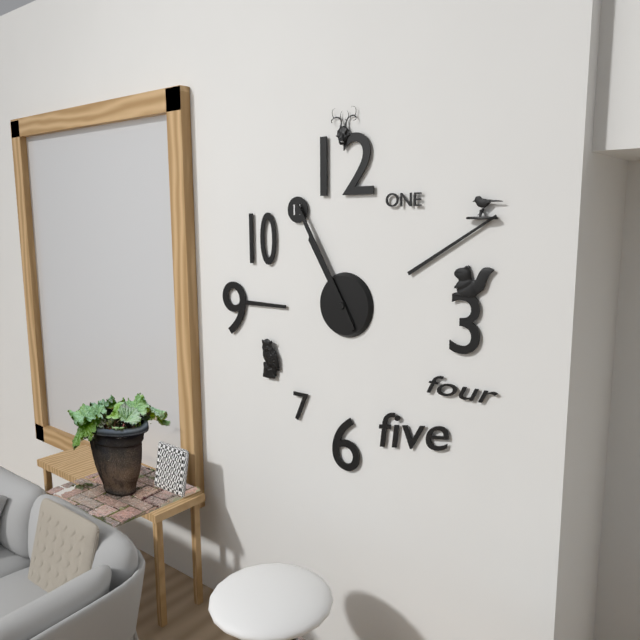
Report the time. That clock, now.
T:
10:55
